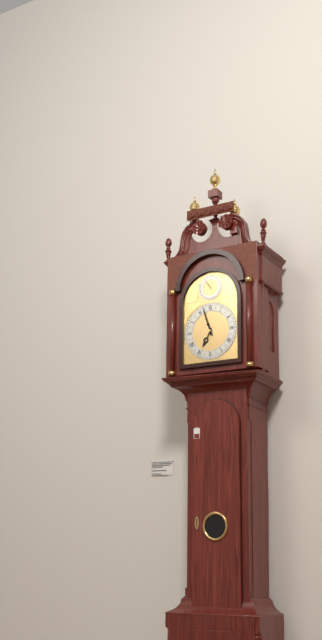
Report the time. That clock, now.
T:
6:57
